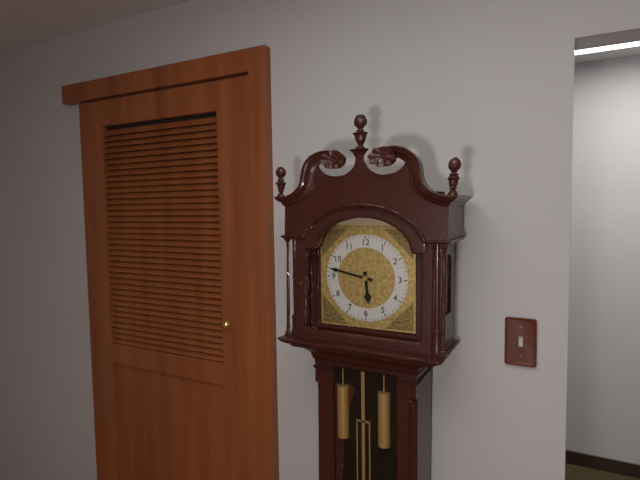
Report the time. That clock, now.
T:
5:47
